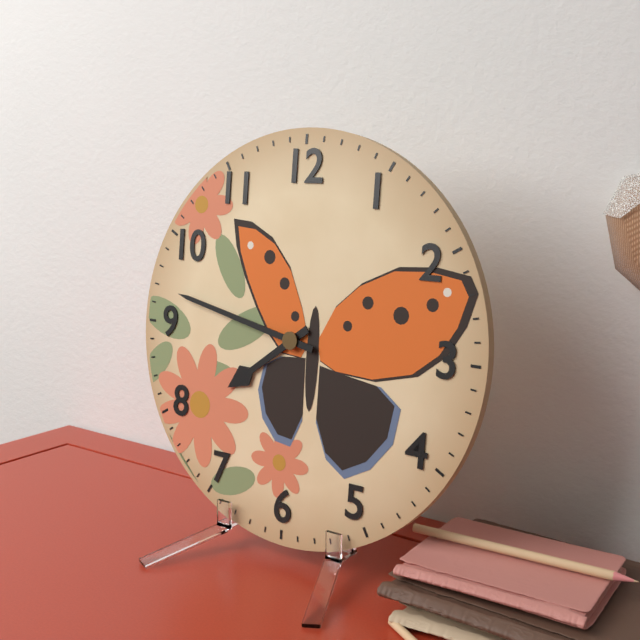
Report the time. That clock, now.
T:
7:47
